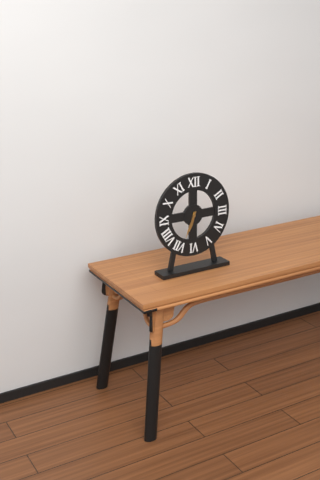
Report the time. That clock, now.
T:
6:34
